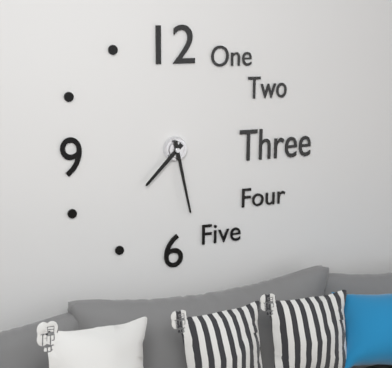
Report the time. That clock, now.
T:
7:28
